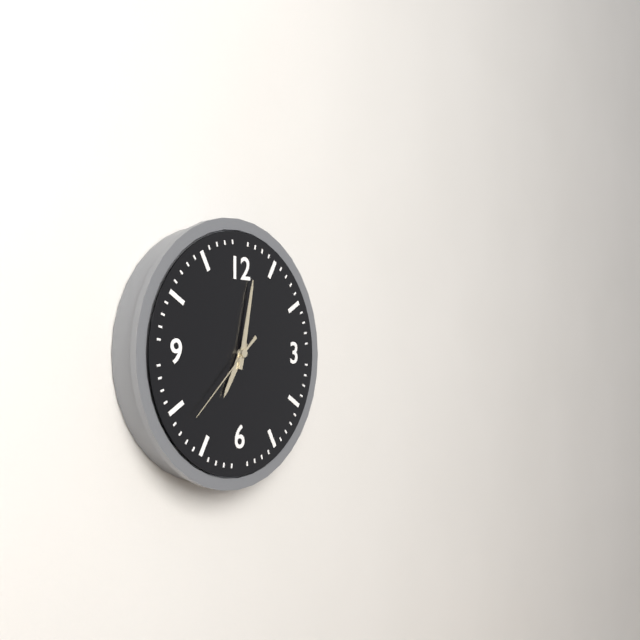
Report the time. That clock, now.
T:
7:02:38
